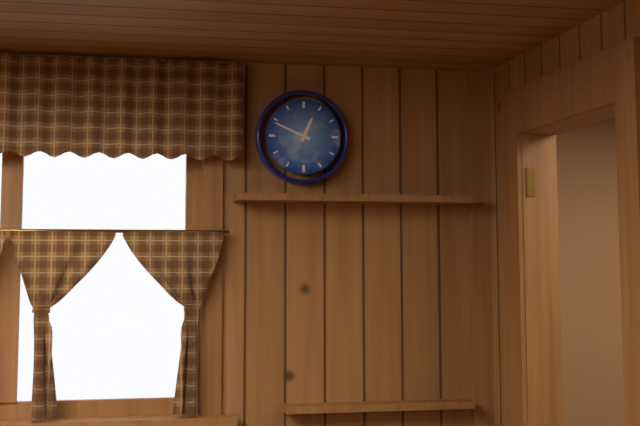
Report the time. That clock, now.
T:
12:49
